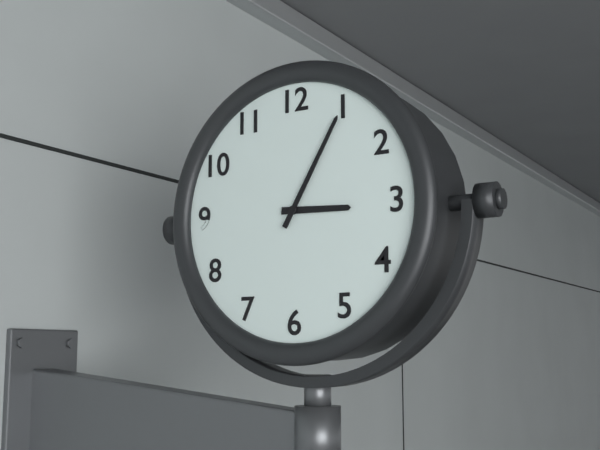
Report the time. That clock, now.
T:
3:05
